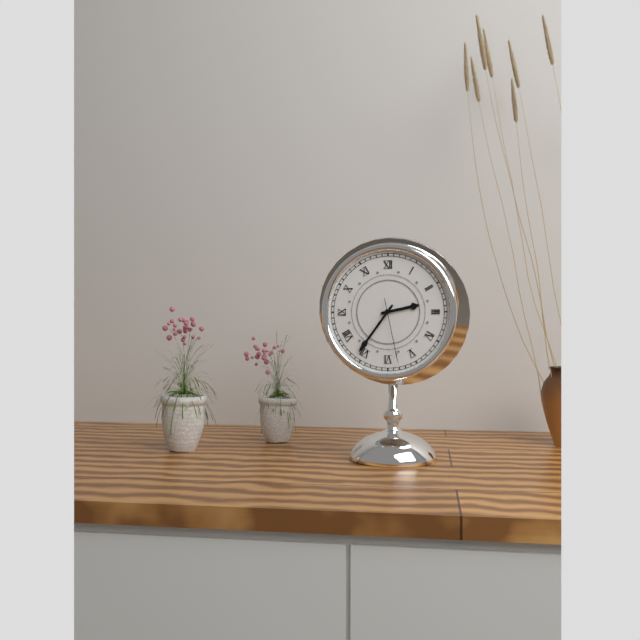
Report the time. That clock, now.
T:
2:36:28
